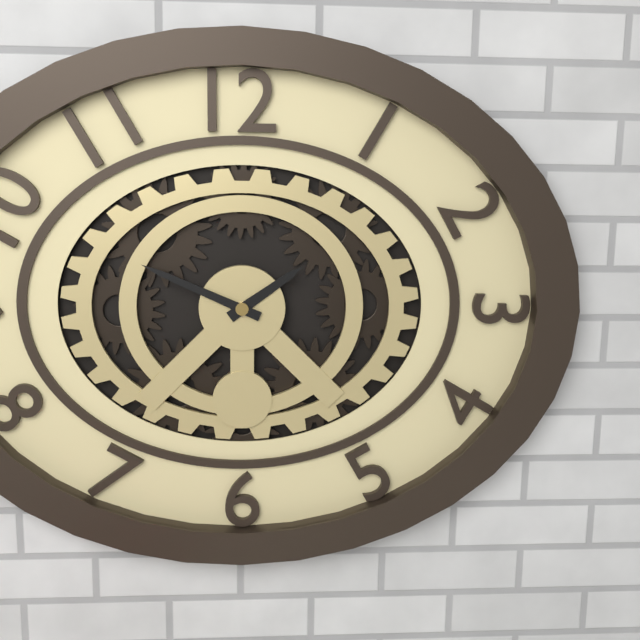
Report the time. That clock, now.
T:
1:49
